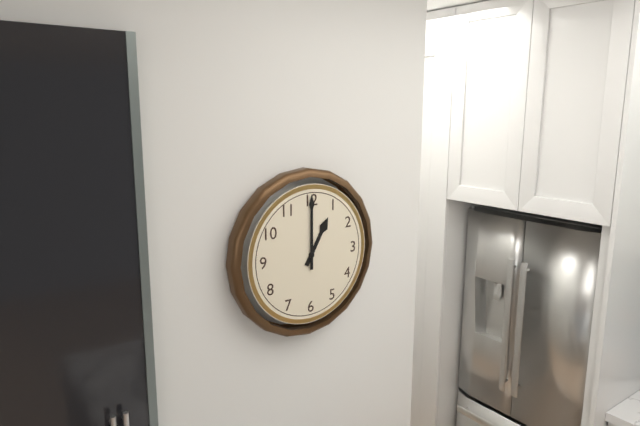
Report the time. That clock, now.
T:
1:00
